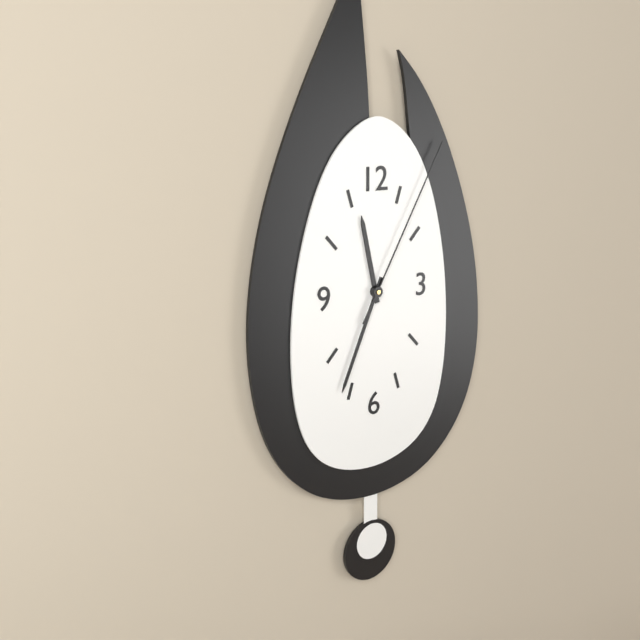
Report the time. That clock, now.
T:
11:34:05
